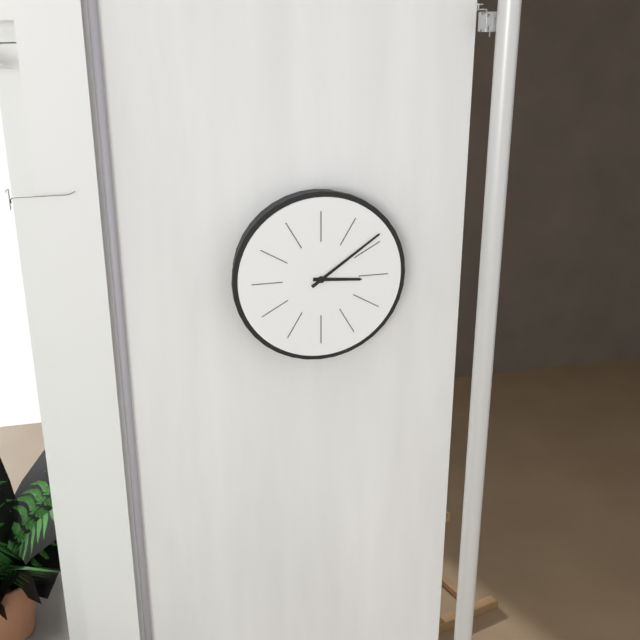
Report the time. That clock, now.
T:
3:09
